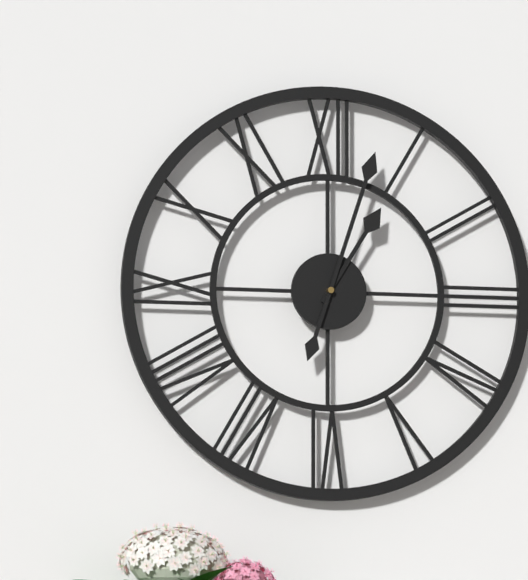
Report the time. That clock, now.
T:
1:03
